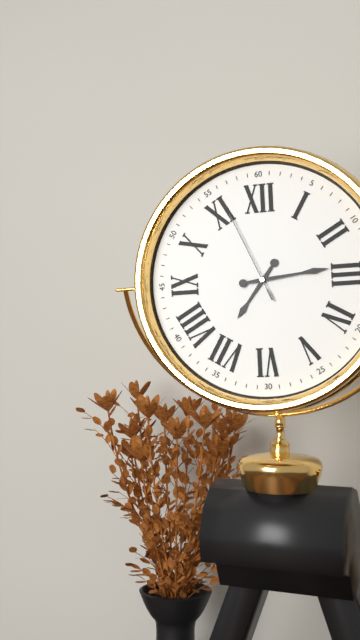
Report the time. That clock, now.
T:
7:14:56
